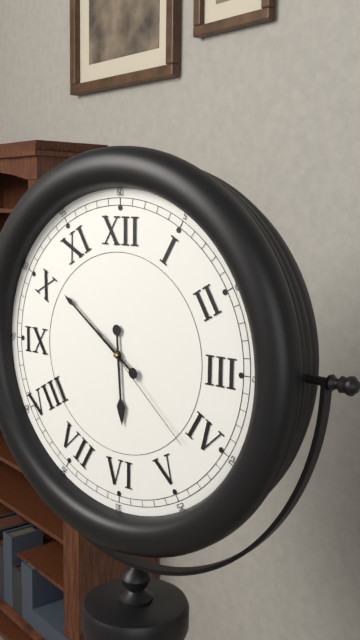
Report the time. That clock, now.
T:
5:51:22
